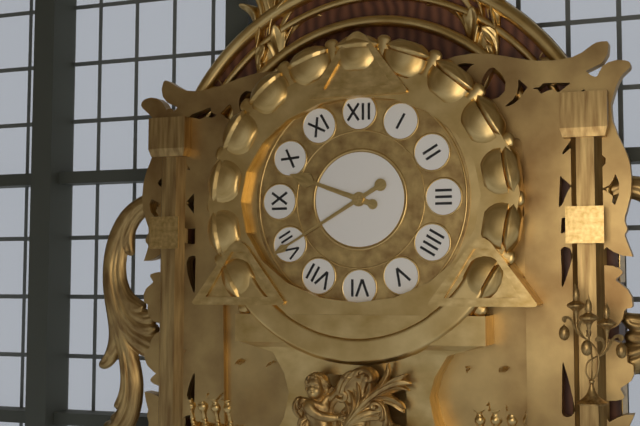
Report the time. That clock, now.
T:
9:40
